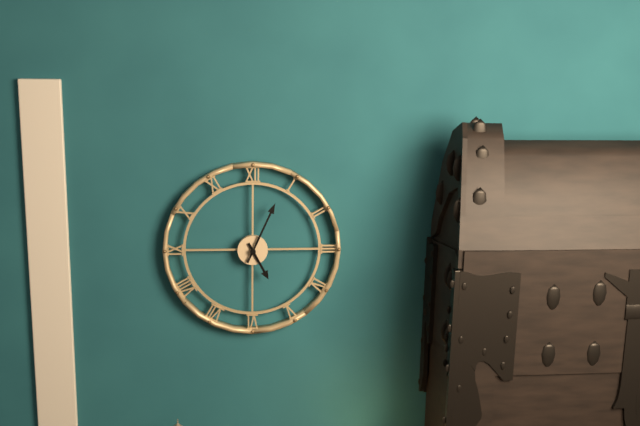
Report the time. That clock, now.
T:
5:04
